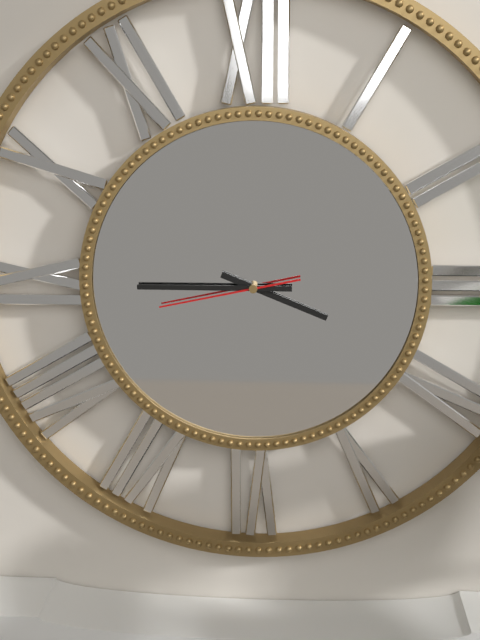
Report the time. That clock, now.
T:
3:45:43
